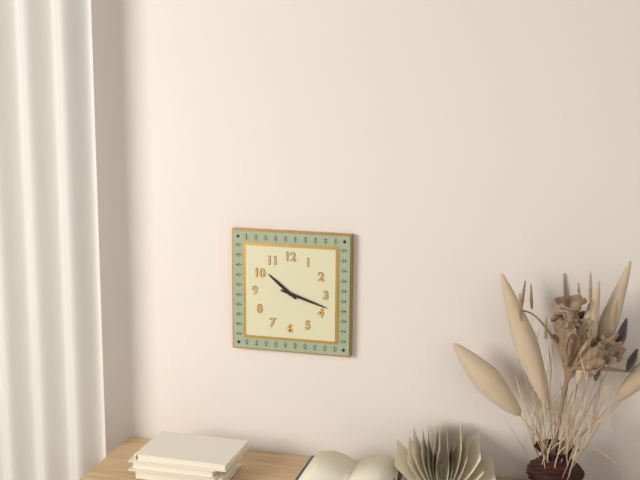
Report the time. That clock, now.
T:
10:18
